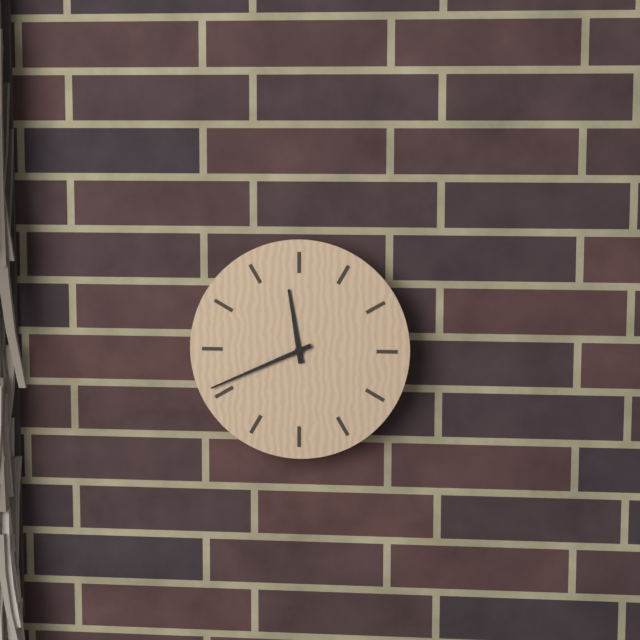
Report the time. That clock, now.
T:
11:41
